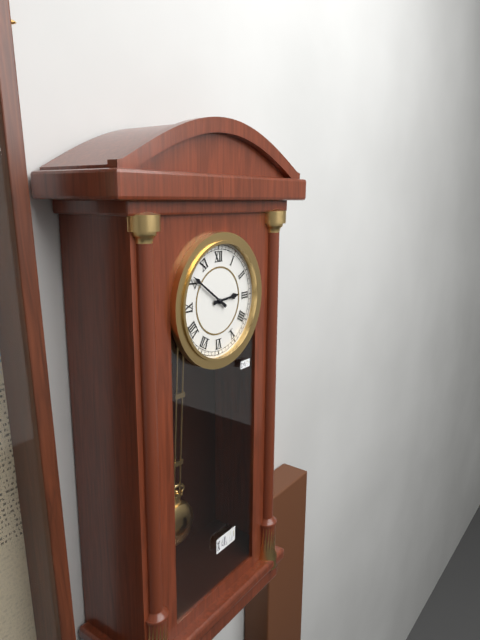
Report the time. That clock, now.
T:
2:51
